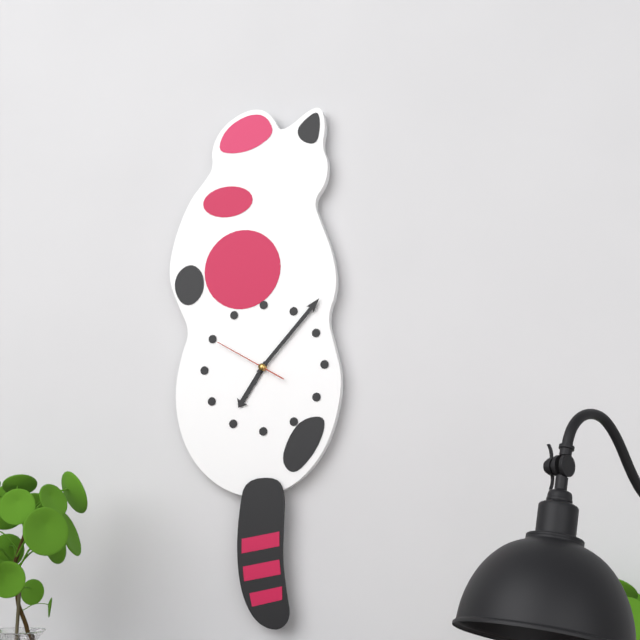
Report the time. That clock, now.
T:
7:07:50
